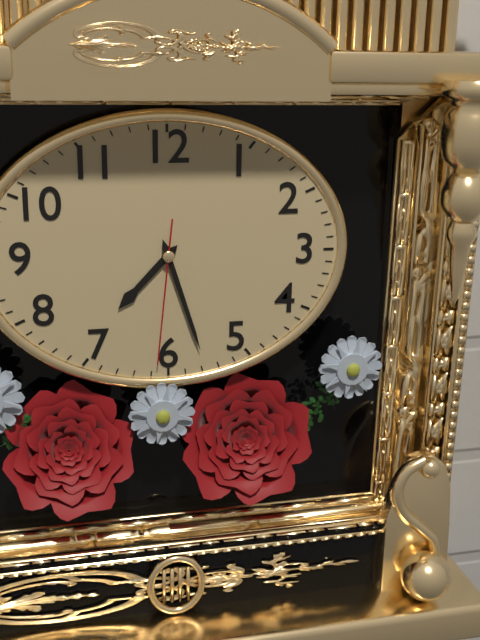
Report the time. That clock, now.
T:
7:27:31
